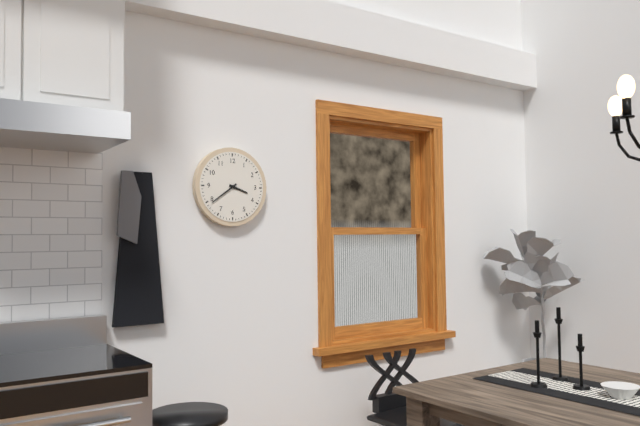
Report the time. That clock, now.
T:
3:39
